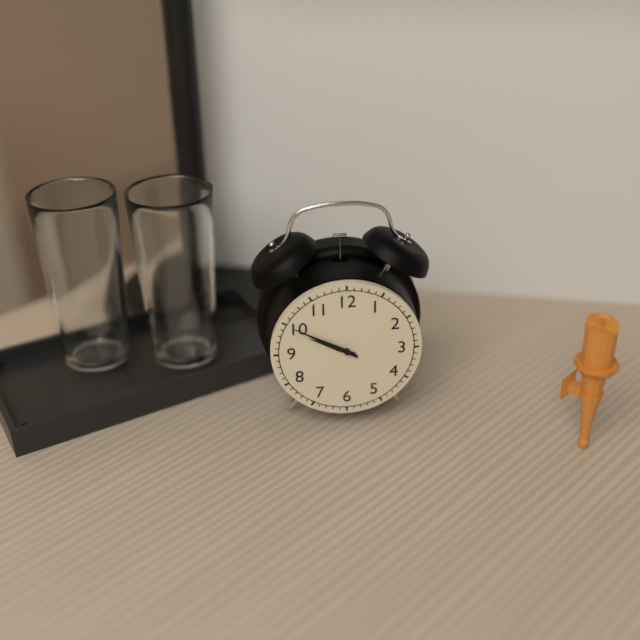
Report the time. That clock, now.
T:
9:50
